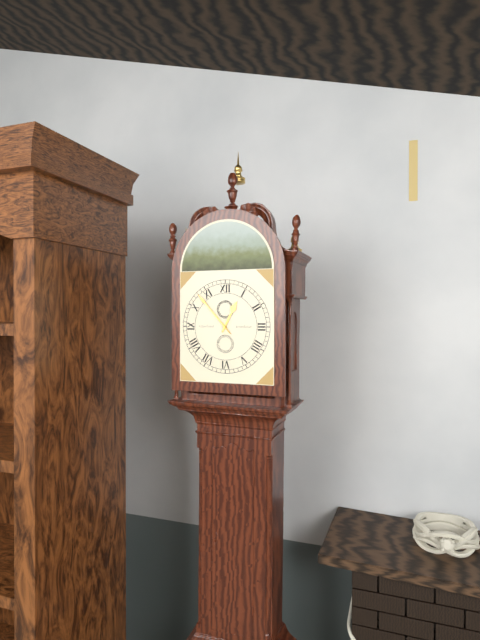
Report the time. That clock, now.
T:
12:53
